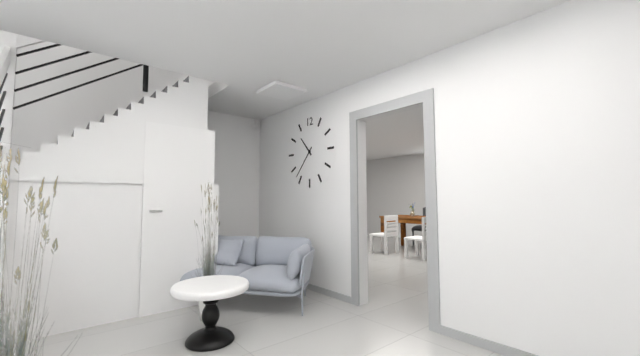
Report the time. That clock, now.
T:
10:37
